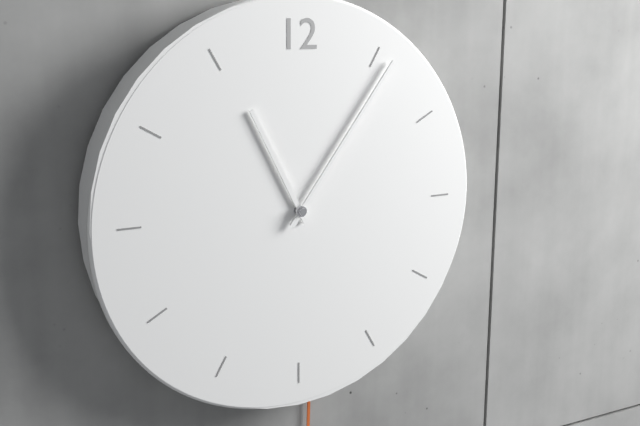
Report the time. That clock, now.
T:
11:06
